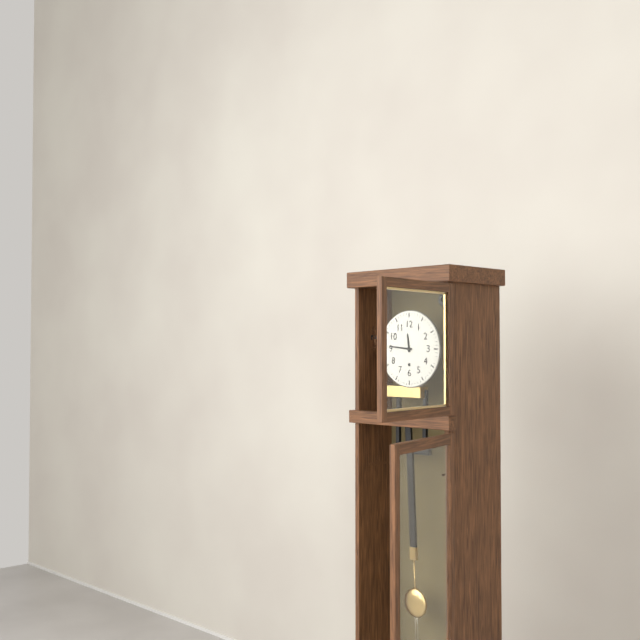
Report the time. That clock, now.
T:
11:46
